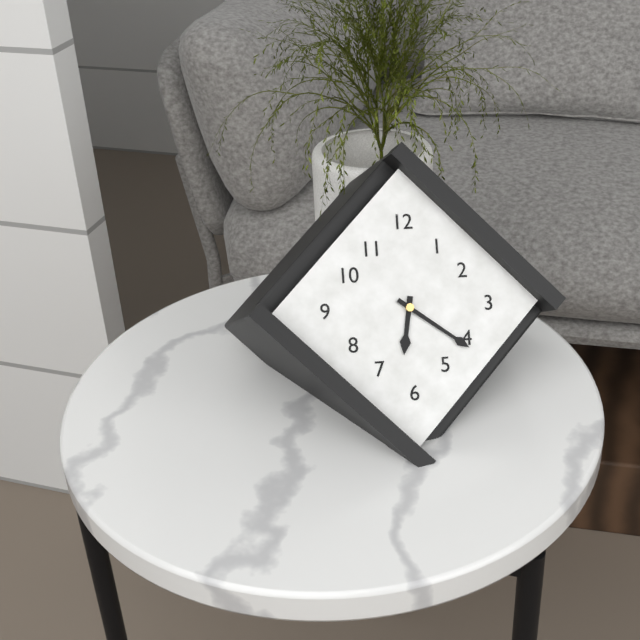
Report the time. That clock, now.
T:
6:21
